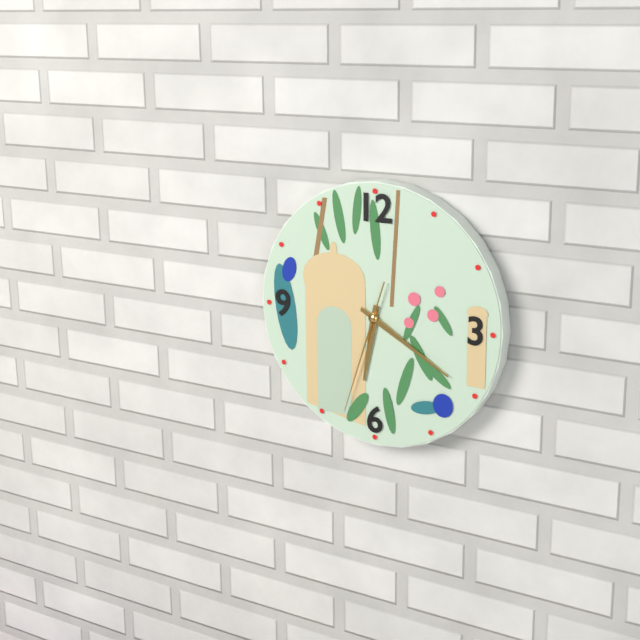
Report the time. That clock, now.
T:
6:20:33
